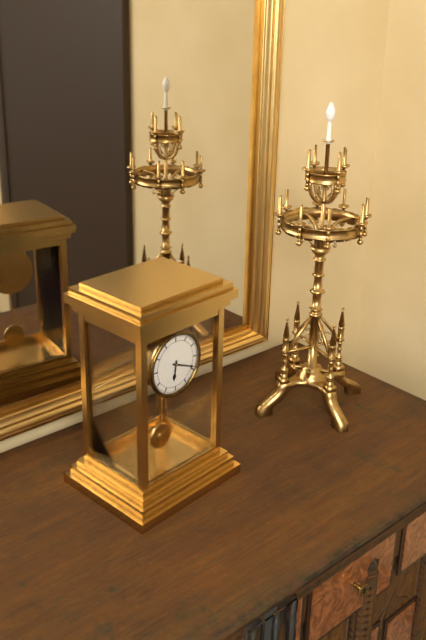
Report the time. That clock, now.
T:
6:19
